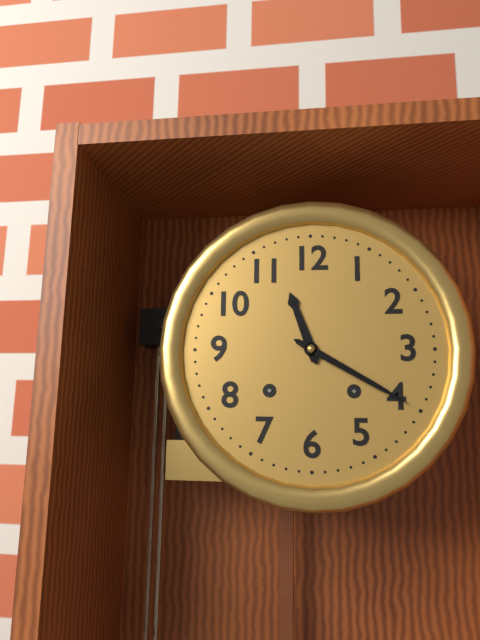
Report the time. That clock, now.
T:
11:20
